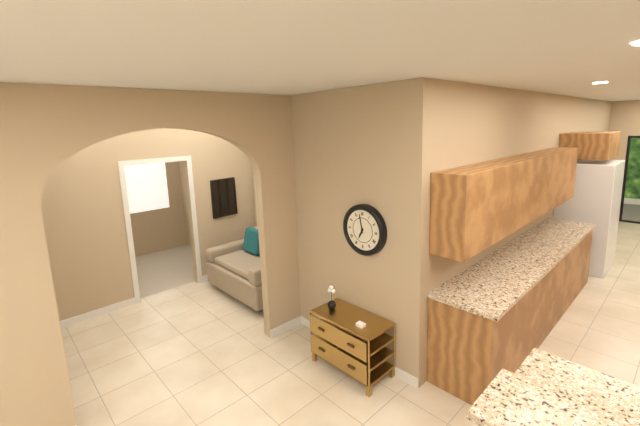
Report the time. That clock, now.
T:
6:58
